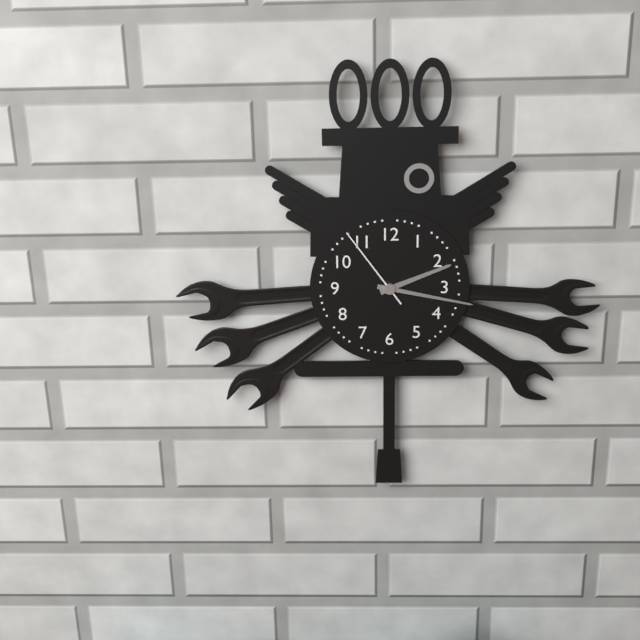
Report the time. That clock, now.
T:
2:17:54
